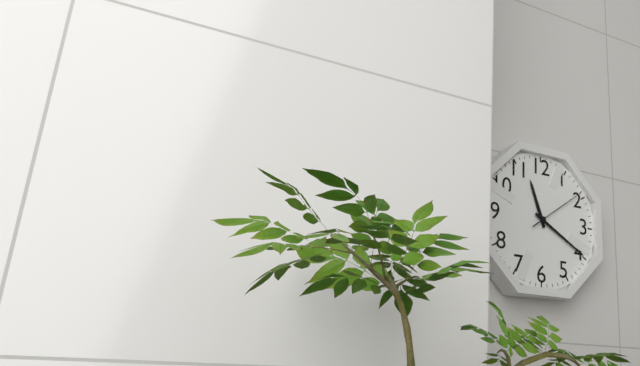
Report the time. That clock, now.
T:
11:20:09
